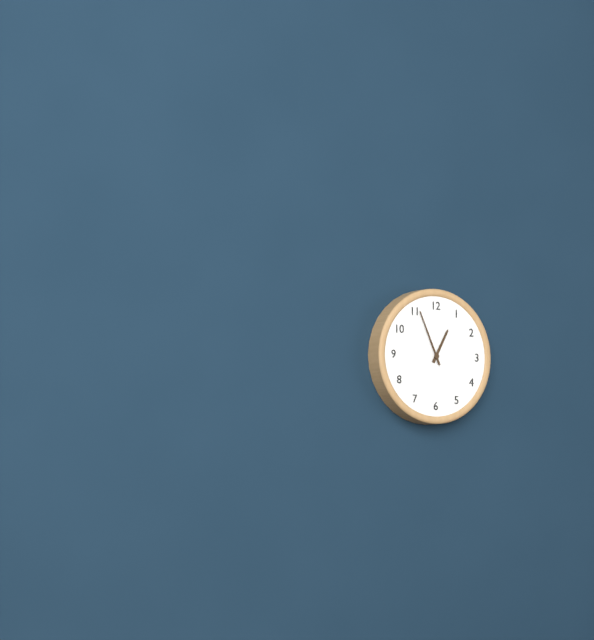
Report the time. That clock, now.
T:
12:56
